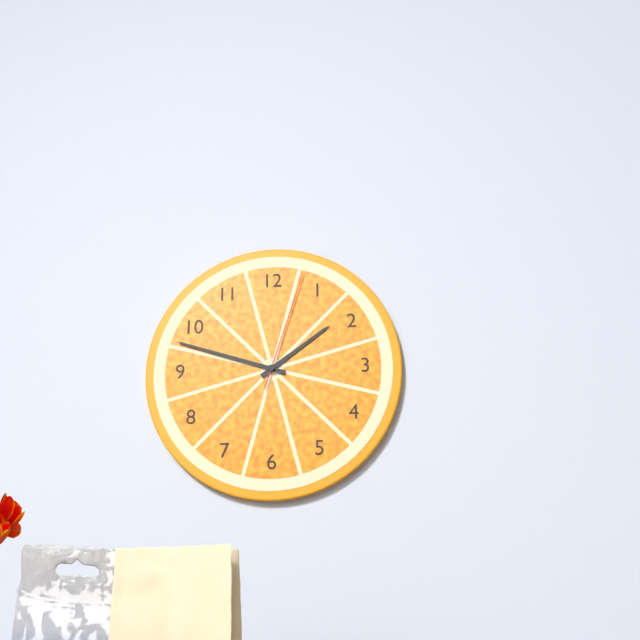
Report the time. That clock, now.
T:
1:48:03
